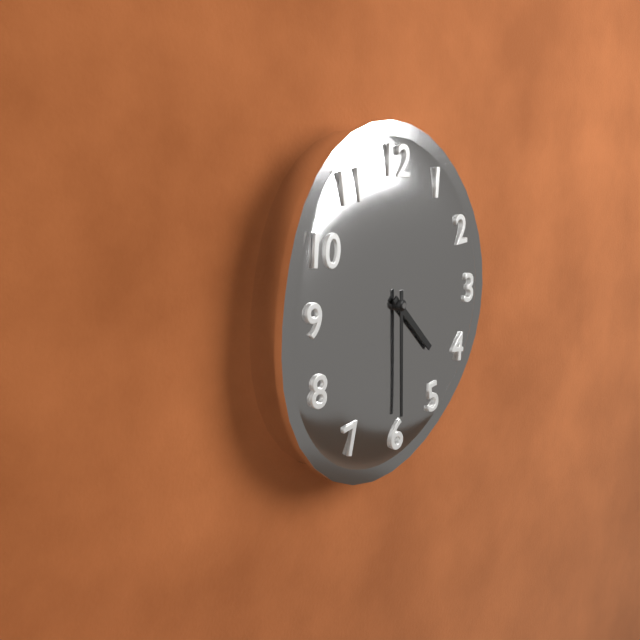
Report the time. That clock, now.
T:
4:30
